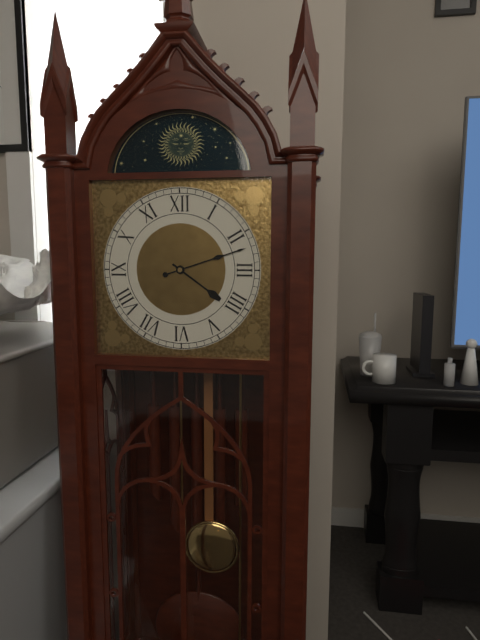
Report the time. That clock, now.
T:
4:12
